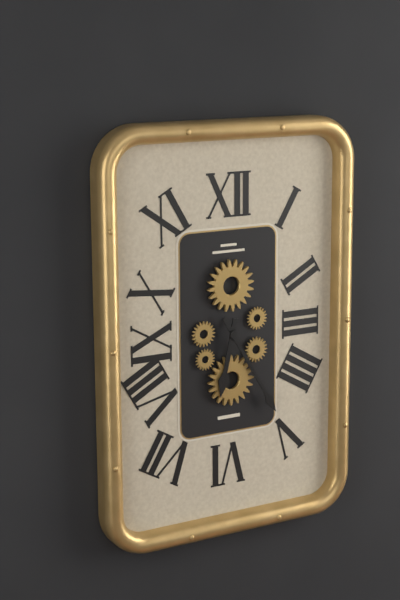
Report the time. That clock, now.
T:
6:25
